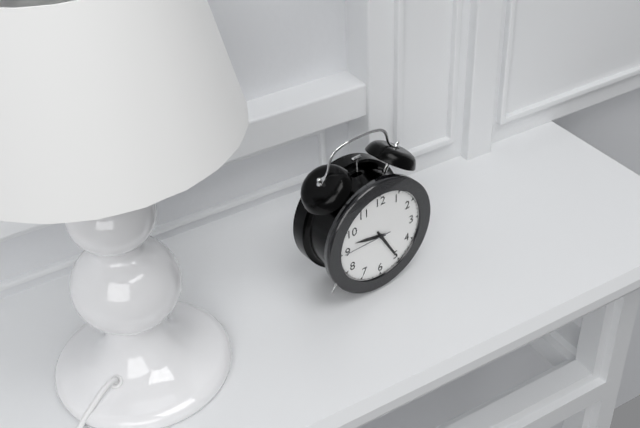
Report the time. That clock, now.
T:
9:25:45
